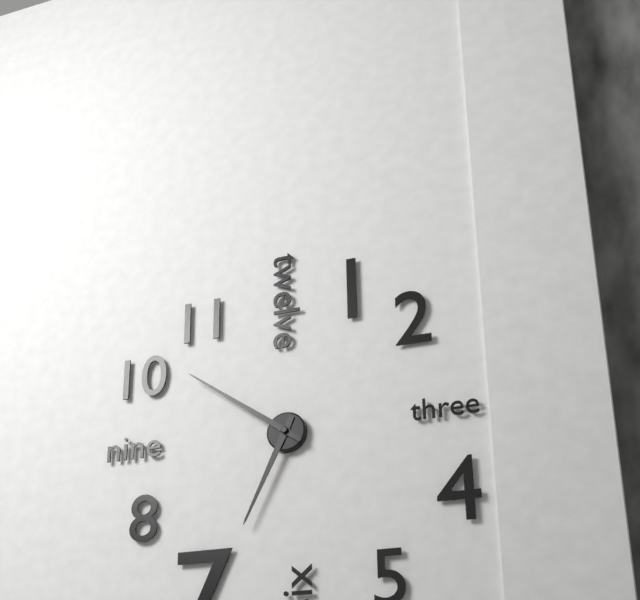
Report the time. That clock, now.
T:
6:51
